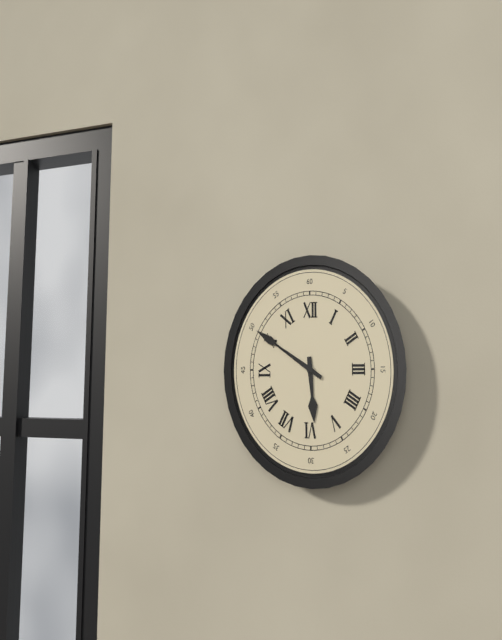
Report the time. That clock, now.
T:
5:50
